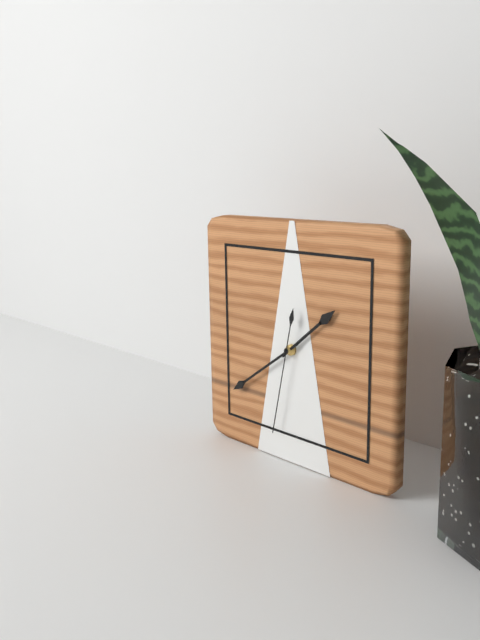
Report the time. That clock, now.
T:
1:39:32
